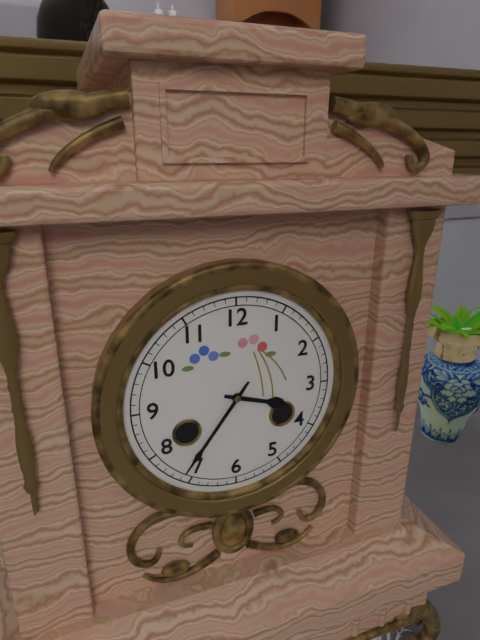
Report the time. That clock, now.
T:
3:36
